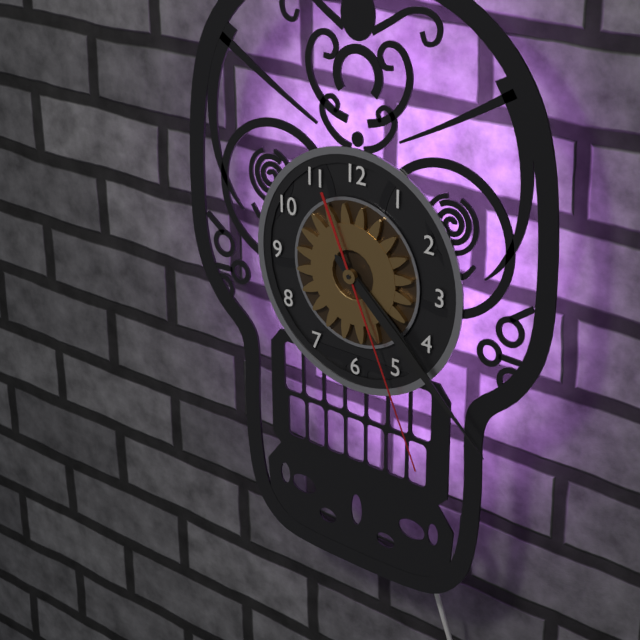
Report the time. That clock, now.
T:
4:22:26
